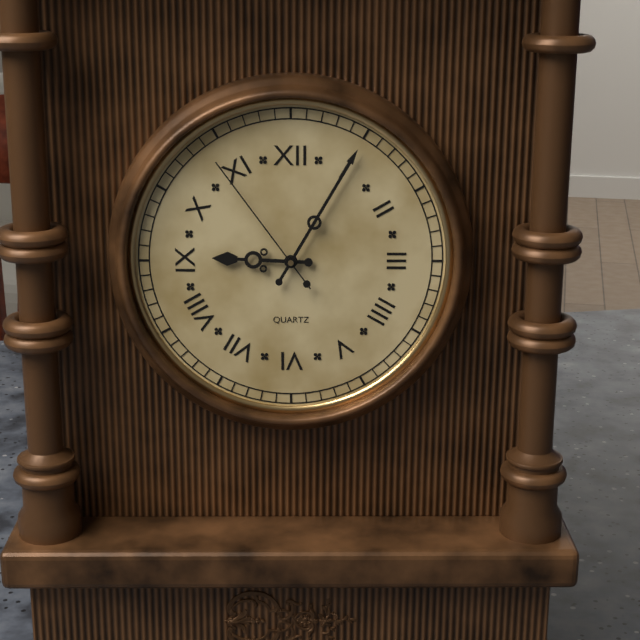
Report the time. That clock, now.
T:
9:05:54
